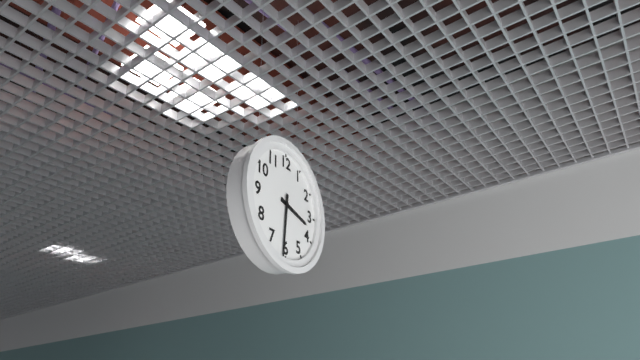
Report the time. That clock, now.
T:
3:31
